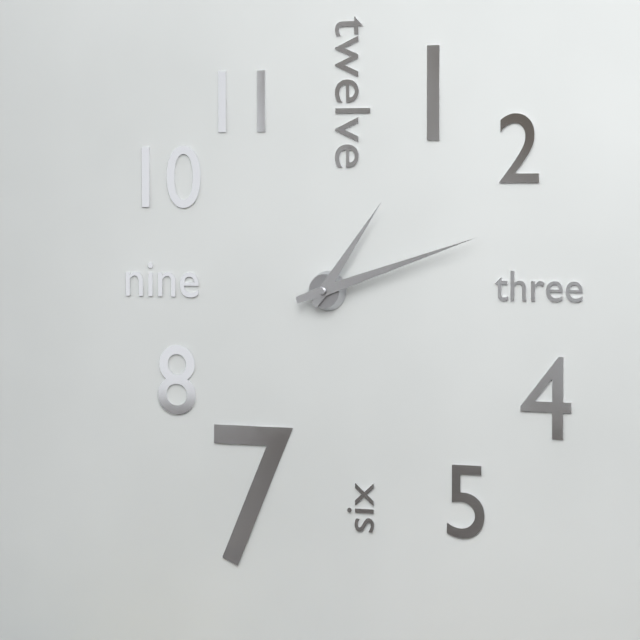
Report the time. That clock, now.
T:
1:12
